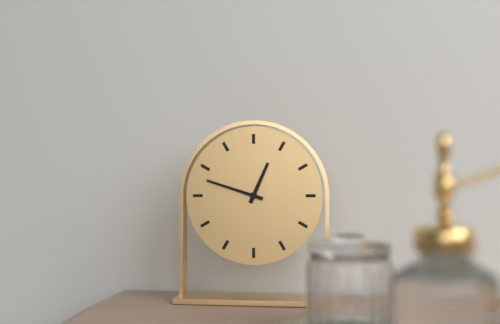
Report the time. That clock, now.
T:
12:48
